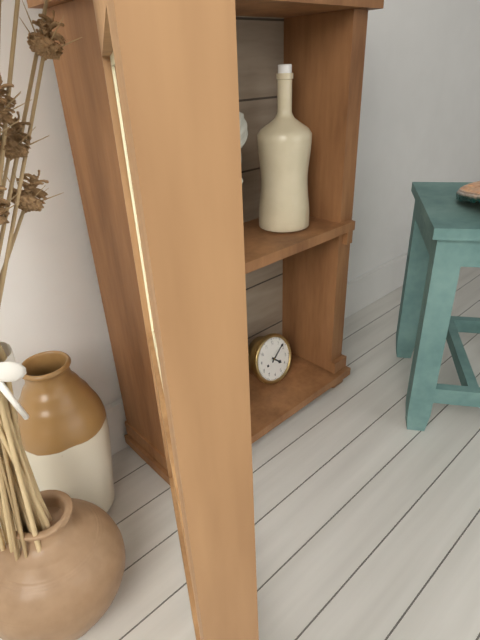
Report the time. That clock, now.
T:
4:08
